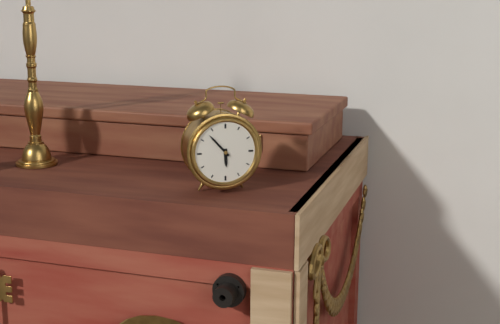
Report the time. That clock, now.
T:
5:53
